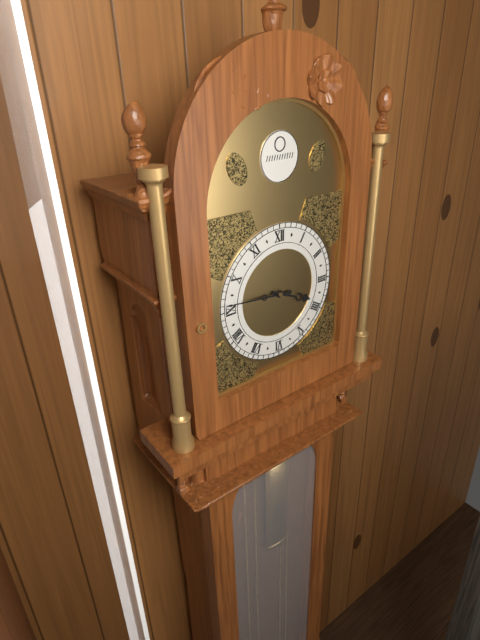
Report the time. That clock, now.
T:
3:46
